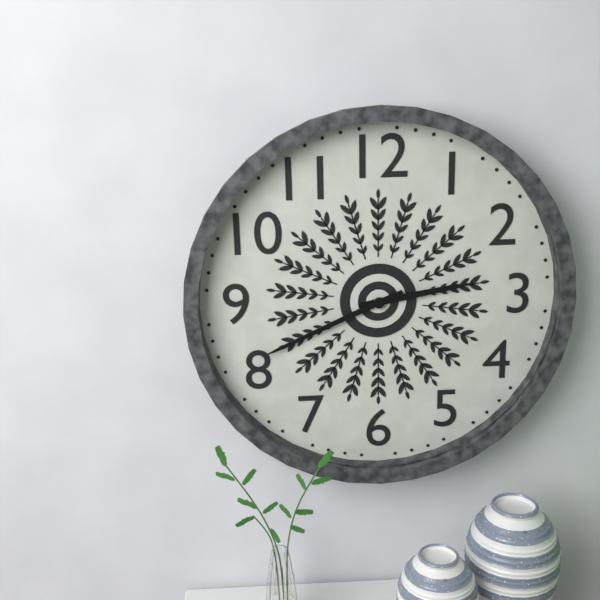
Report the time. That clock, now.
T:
2:41
